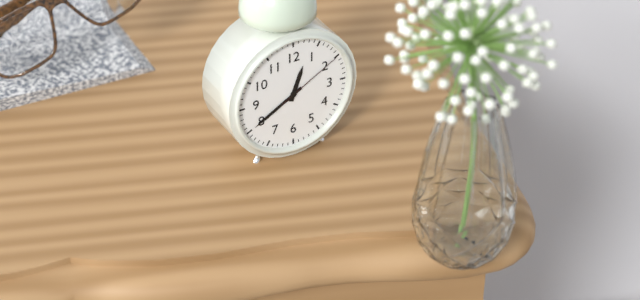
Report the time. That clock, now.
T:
12:40:10
